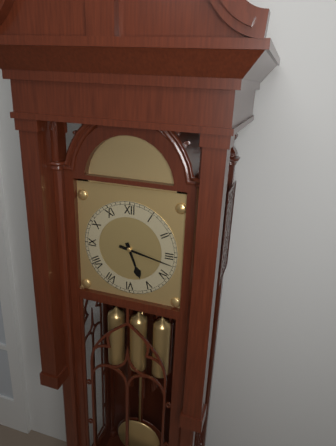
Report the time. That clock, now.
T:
5:17
